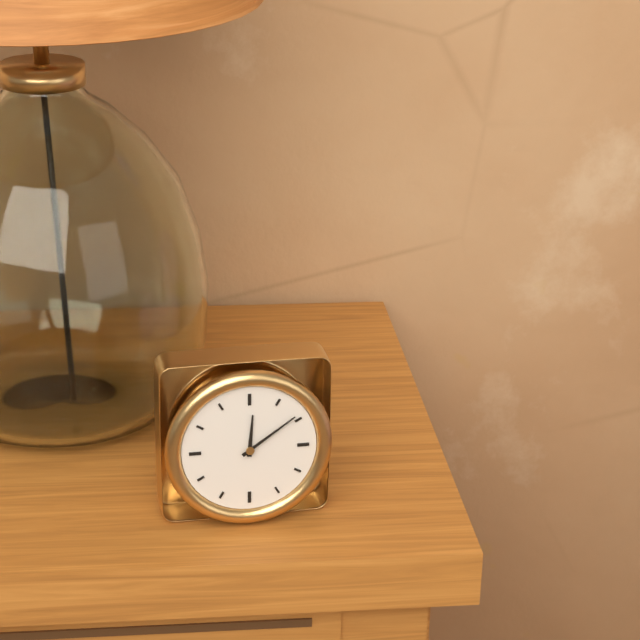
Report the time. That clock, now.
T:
12:09
